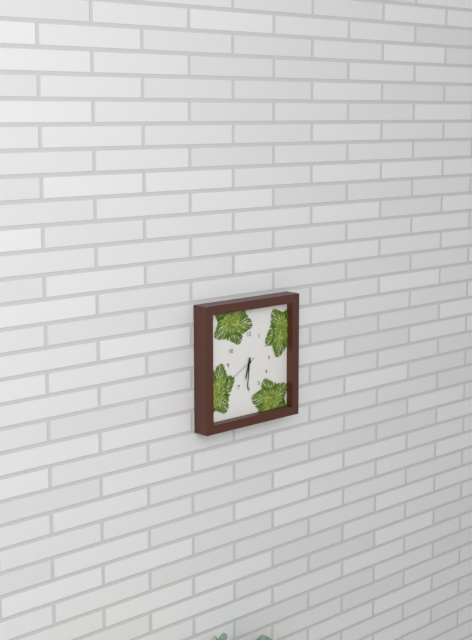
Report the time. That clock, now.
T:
6:31
